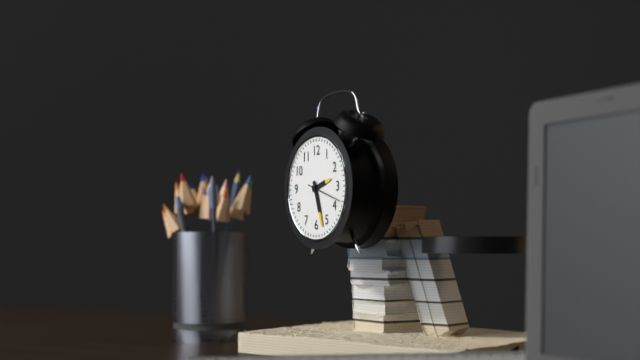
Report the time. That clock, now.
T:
2:27
